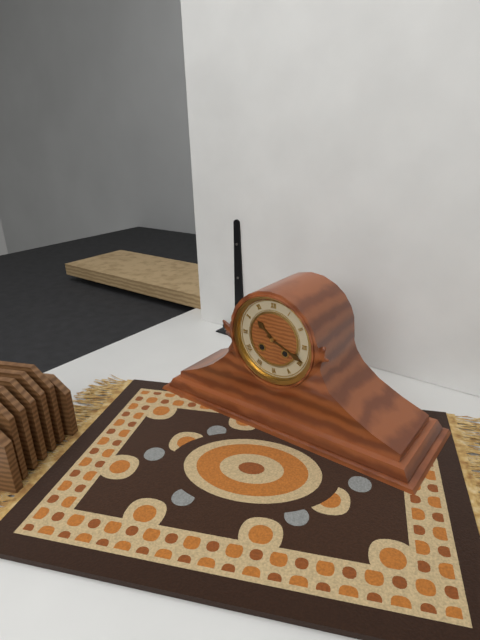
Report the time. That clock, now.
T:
10:19
